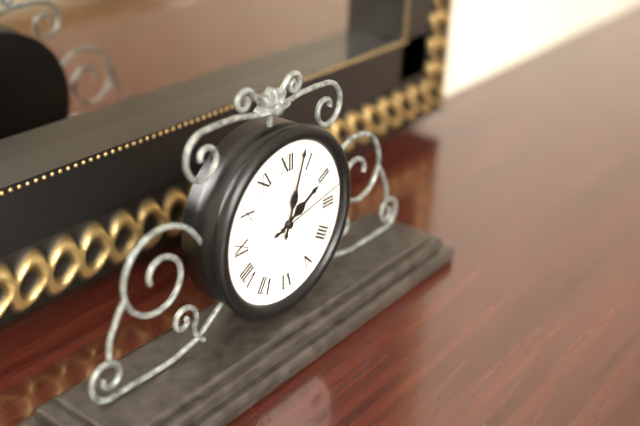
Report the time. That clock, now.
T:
2:03:13
